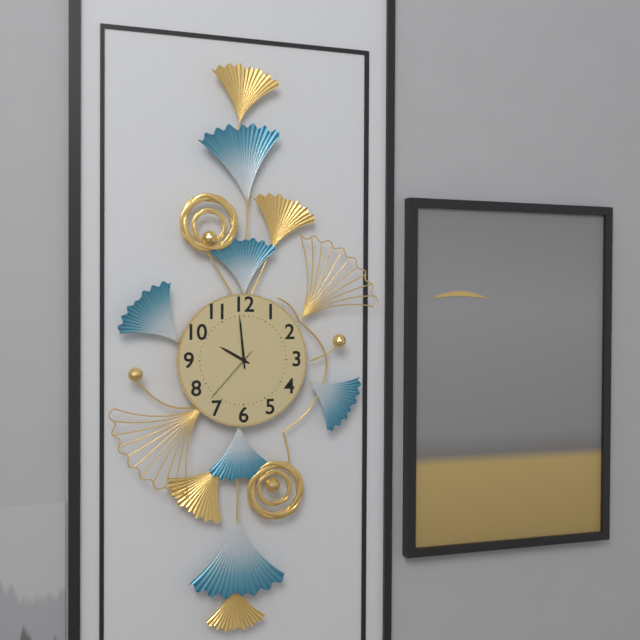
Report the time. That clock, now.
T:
9:59:37
